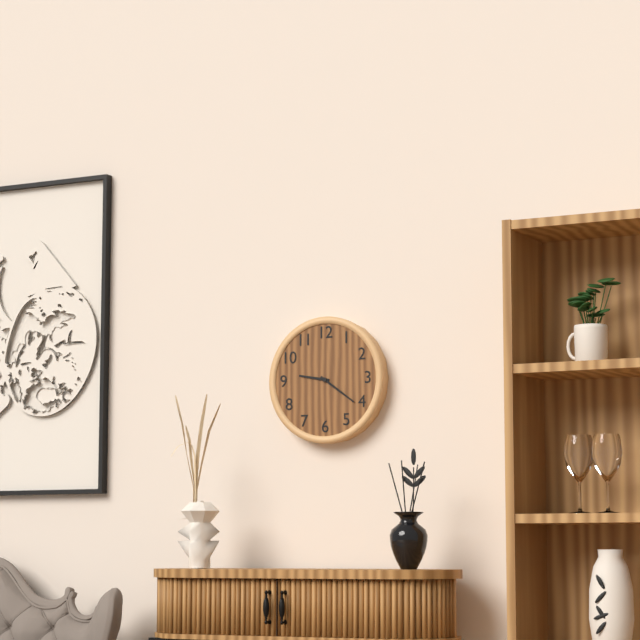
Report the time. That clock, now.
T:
9:21
